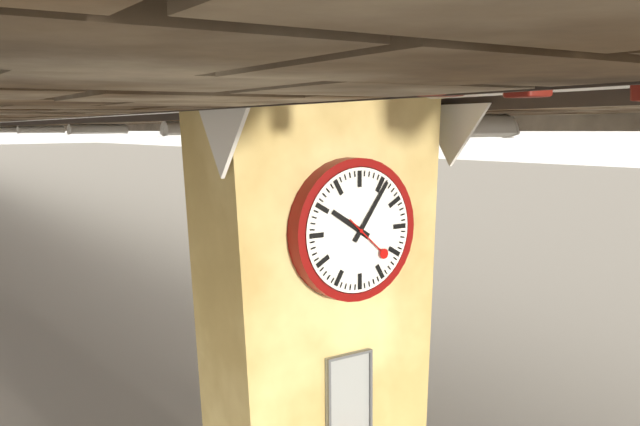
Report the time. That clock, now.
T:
10:06
